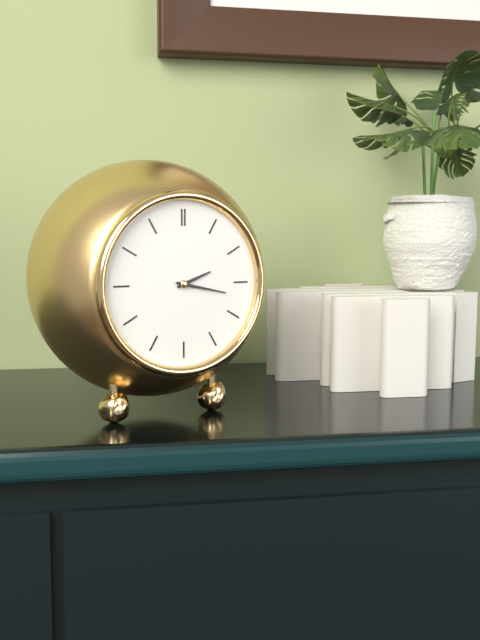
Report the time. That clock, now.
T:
2:17
